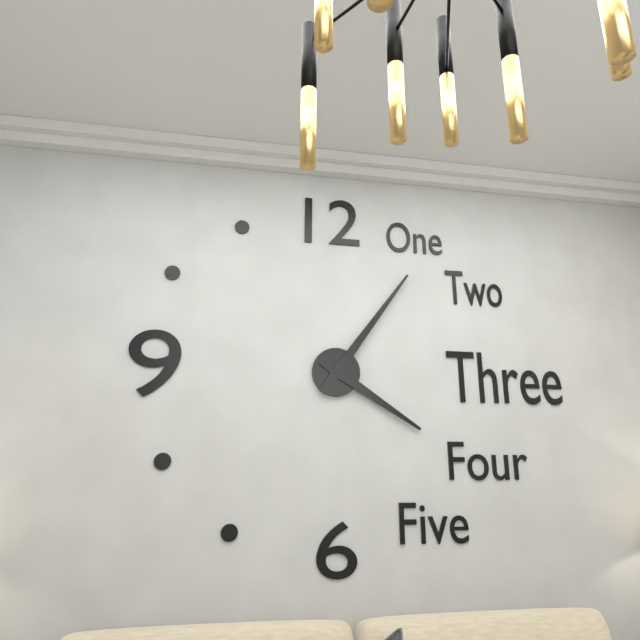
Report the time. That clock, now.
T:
4:06
